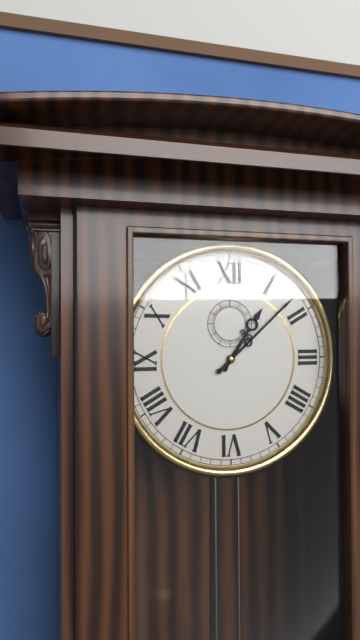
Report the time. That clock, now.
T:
1:08
